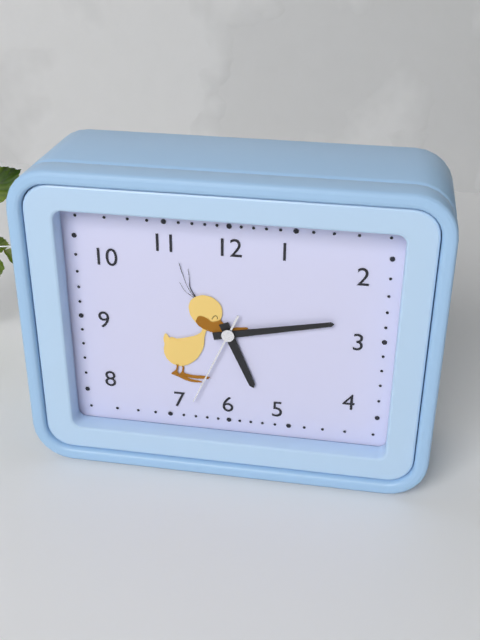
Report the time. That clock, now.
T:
5:13:34
